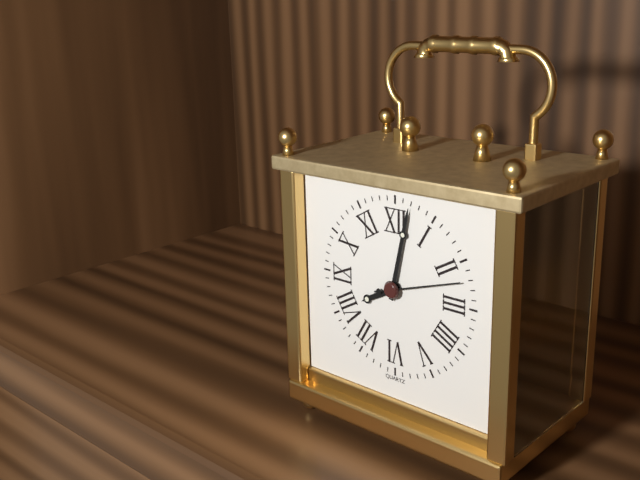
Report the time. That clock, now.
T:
8:02:12
